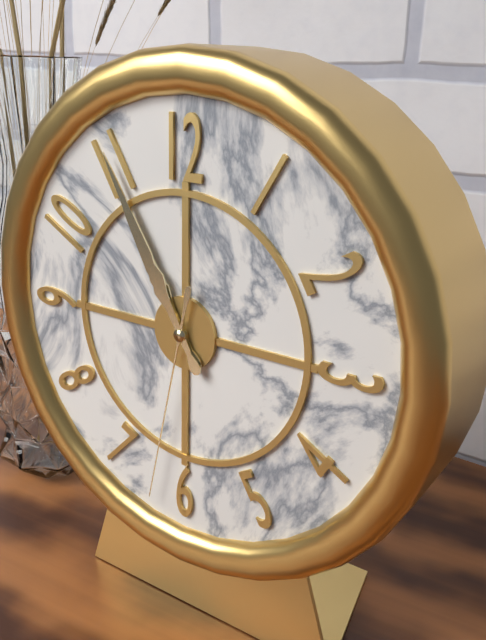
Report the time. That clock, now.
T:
10:55:32
